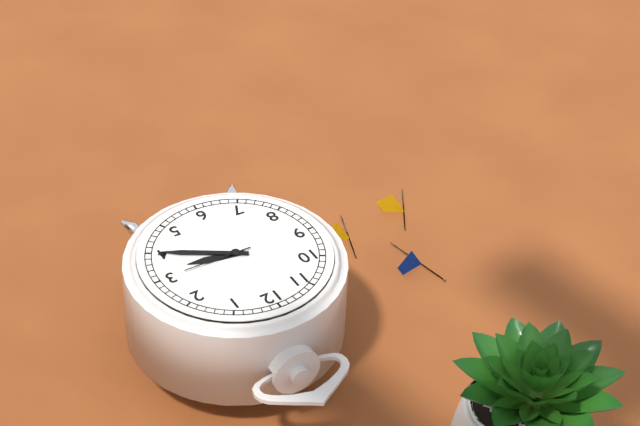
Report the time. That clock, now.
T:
3:20:15
